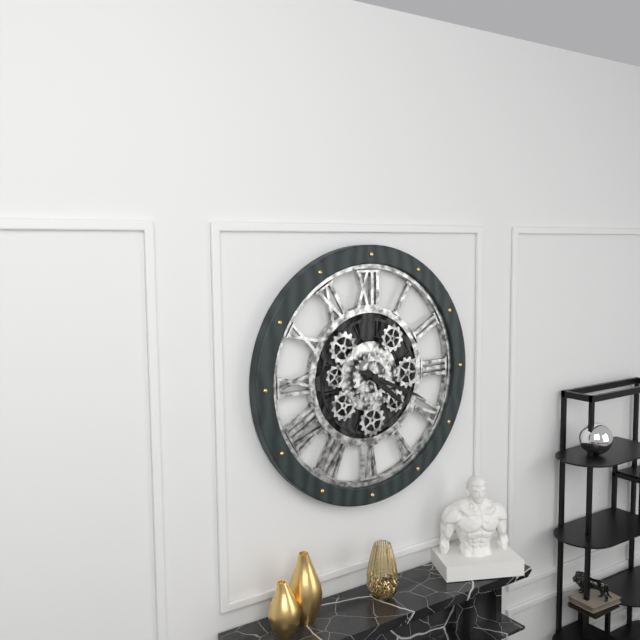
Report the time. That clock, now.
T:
4:19
